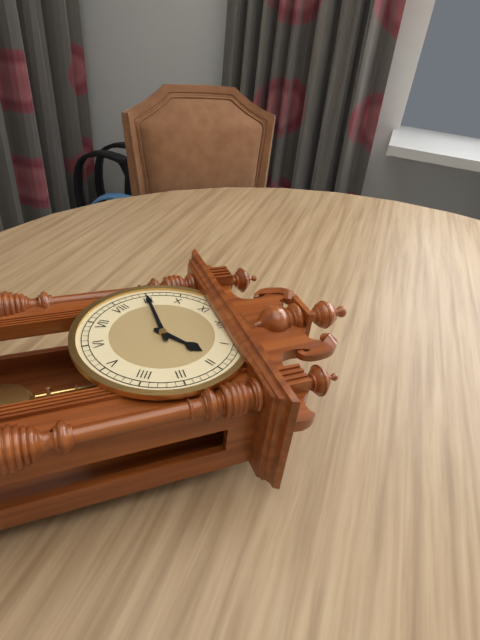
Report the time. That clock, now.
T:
1:45
